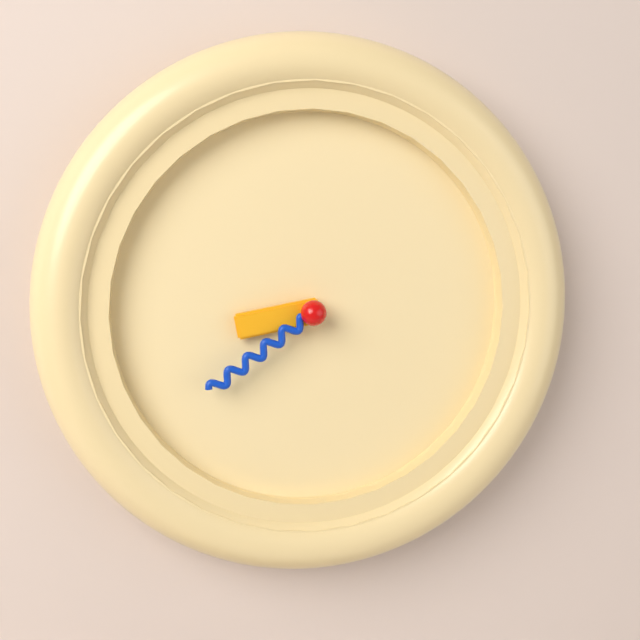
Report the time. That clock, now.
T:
8:39
